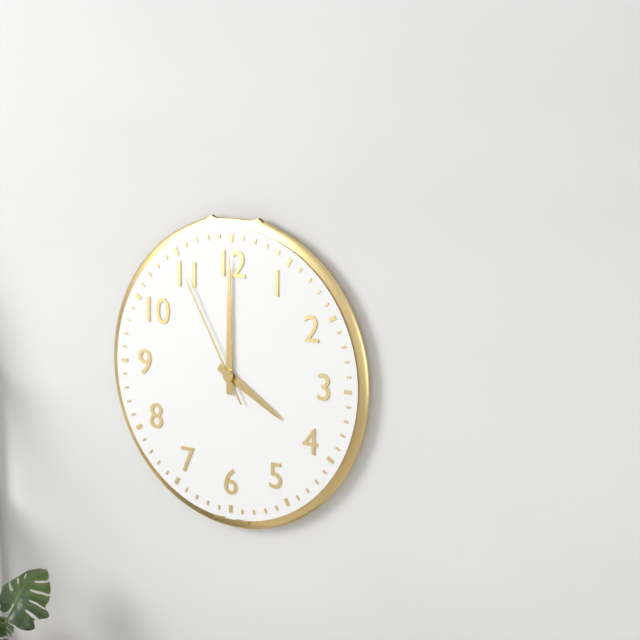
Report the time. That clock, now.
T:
4:00:55
